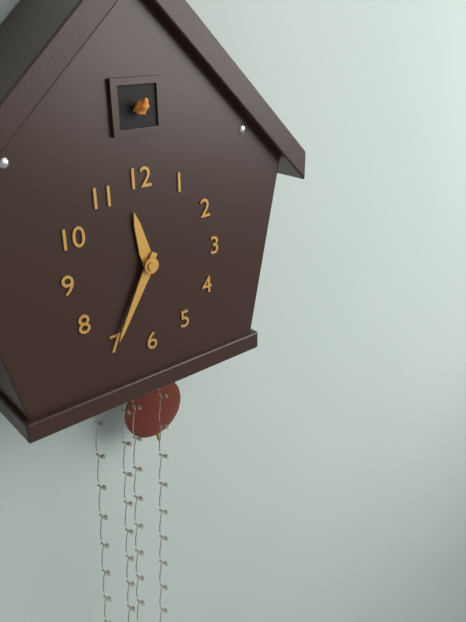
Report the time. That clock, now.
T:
11:35
